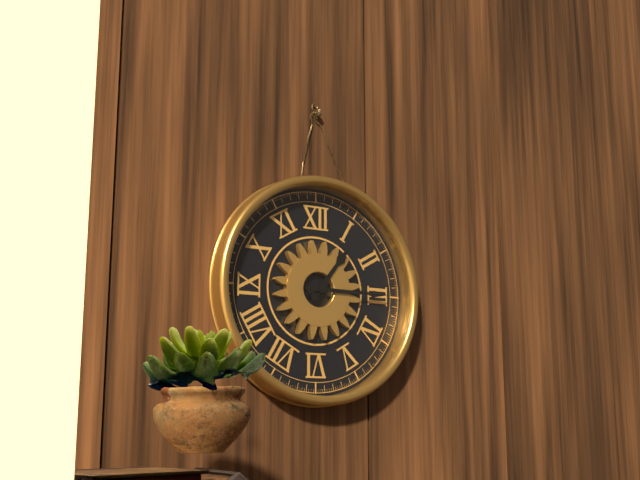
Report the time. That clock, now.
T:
1:15
